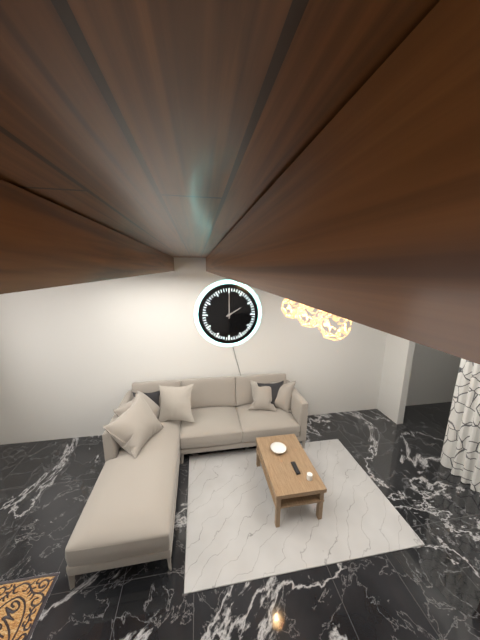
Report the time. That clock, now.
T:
2:00
